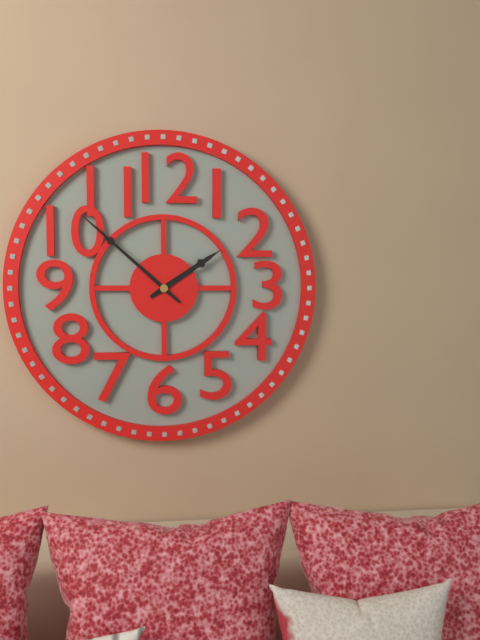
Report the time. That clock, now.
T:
1:52
